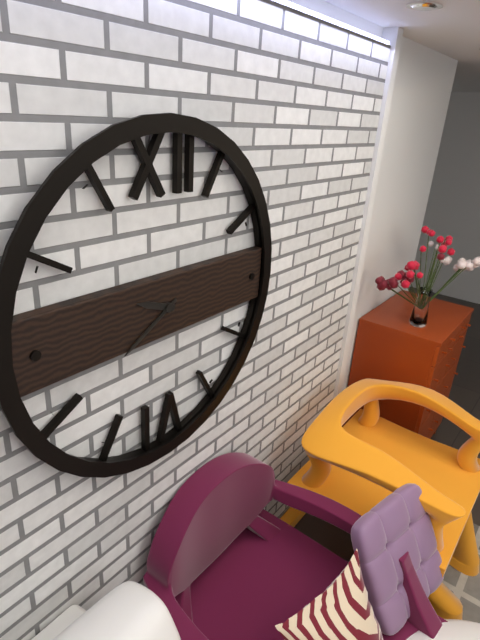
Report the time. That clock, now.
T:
9:40
